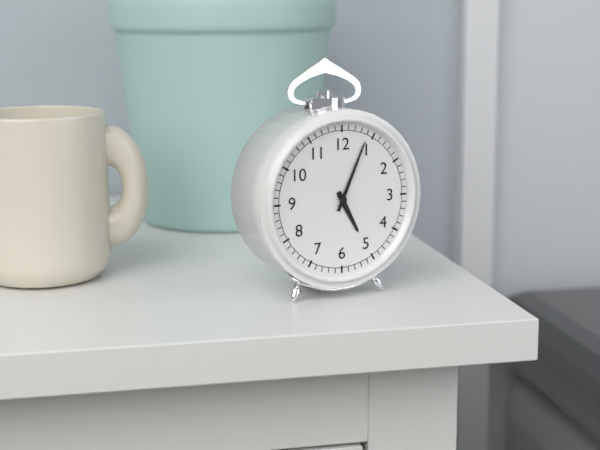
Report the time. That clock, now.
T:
5:04
